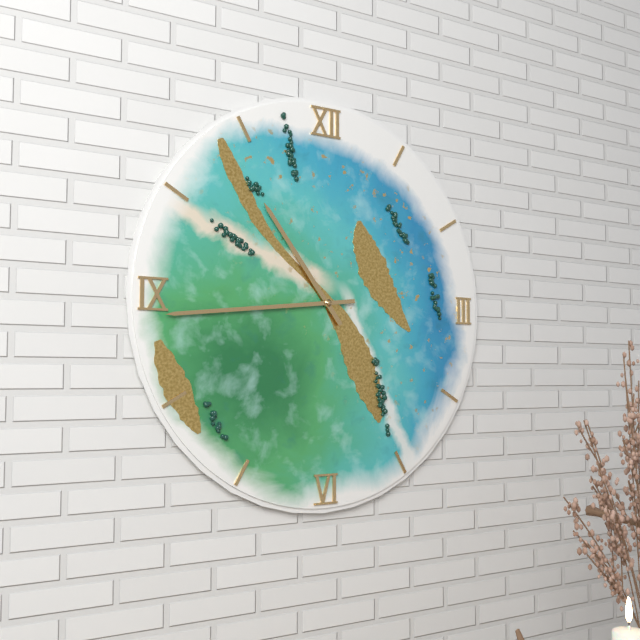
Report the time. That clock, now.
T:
10:44
